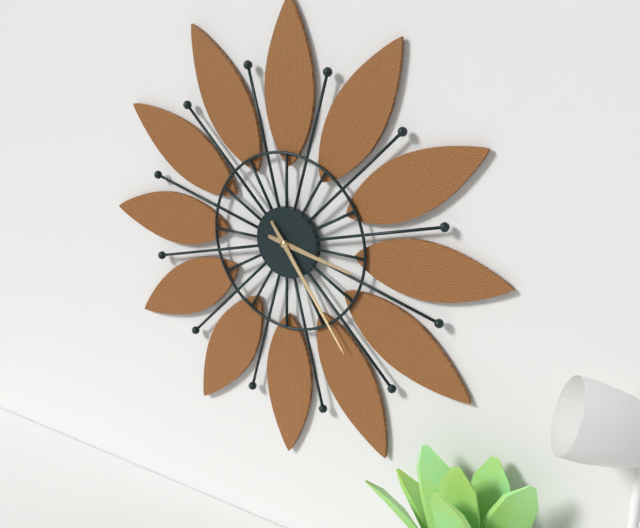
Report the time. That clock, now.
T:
3:24
